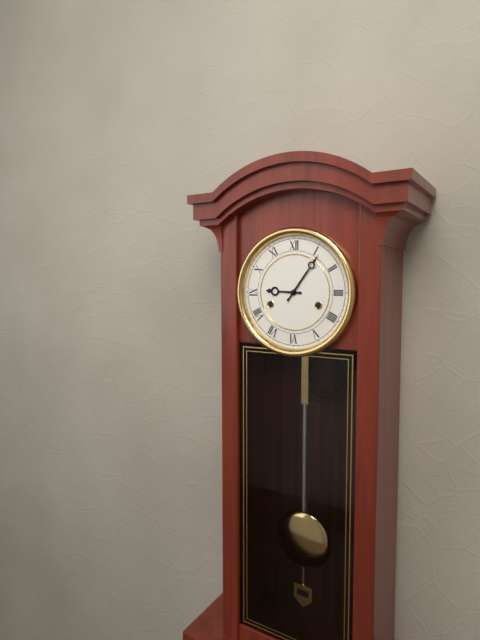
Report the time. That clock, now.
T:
9:06
